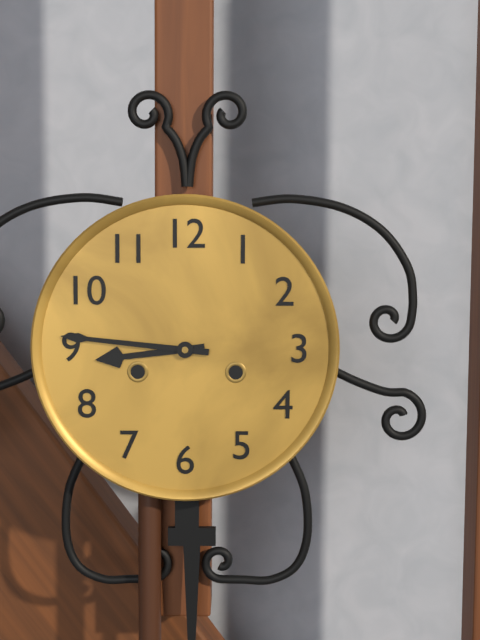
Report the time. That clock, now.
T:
8:46
